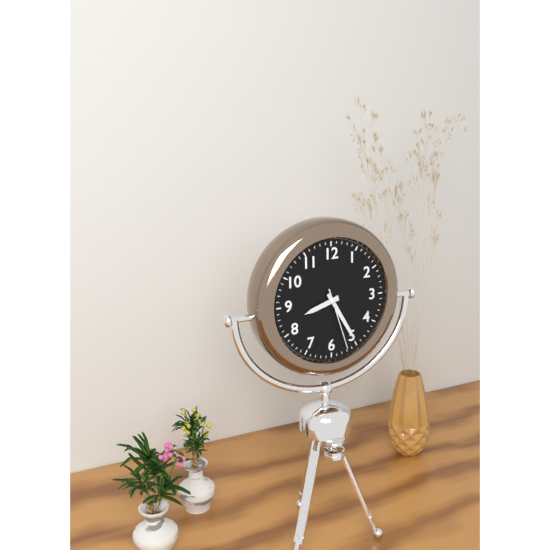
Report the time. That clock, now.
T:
8:25:27
